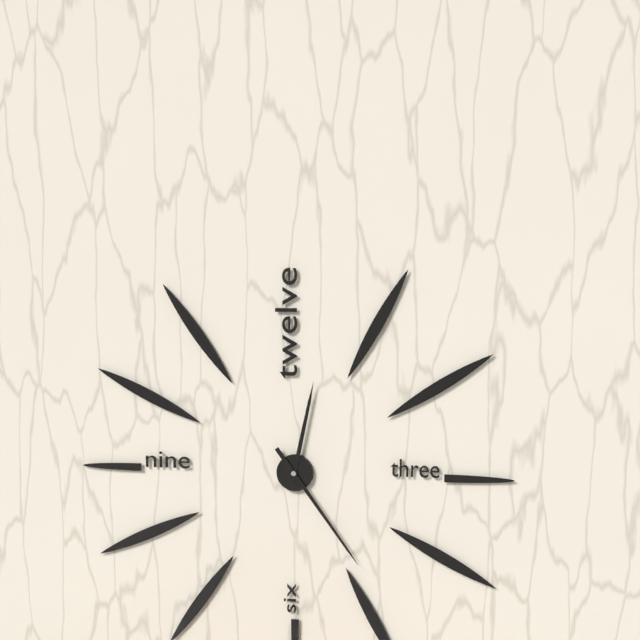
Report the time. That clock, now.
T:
12:24
